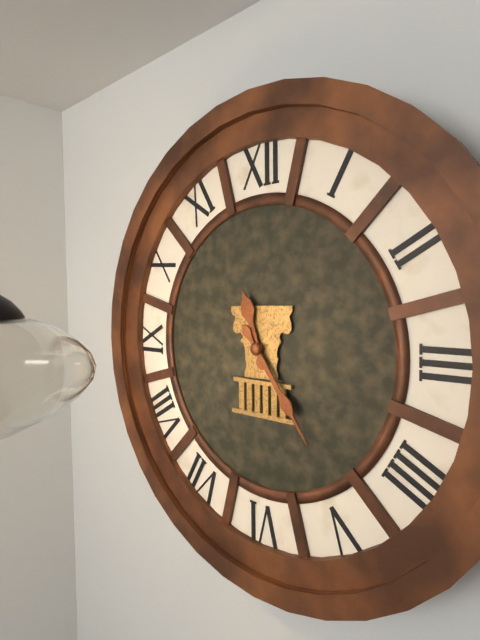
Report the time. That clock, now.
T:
11:24
